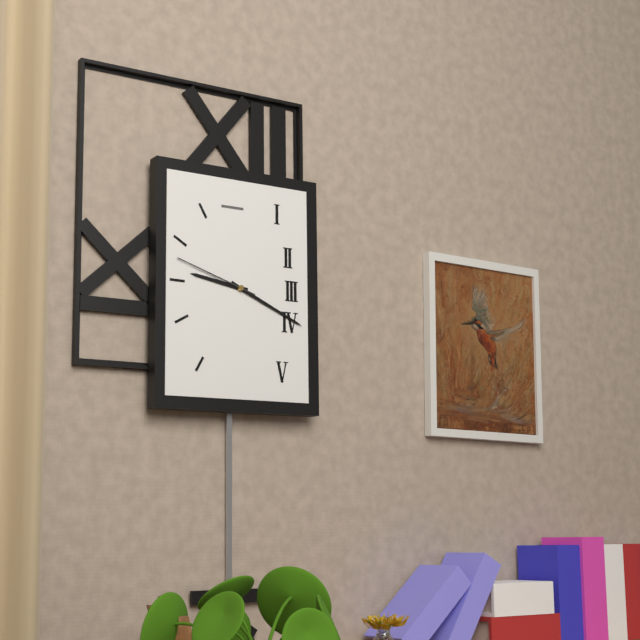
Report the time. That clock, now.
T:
9:19:48
